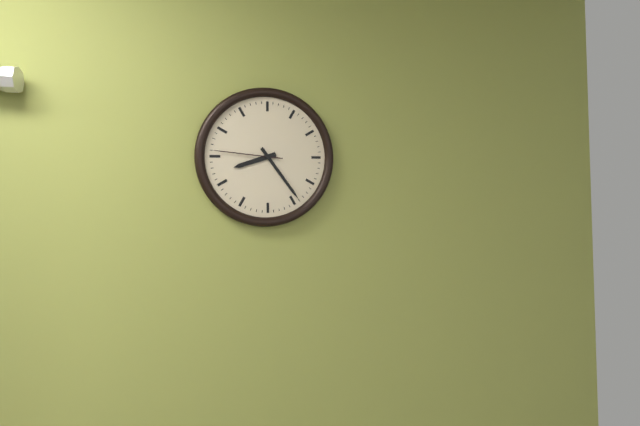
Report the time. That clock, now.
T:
8:24:46
